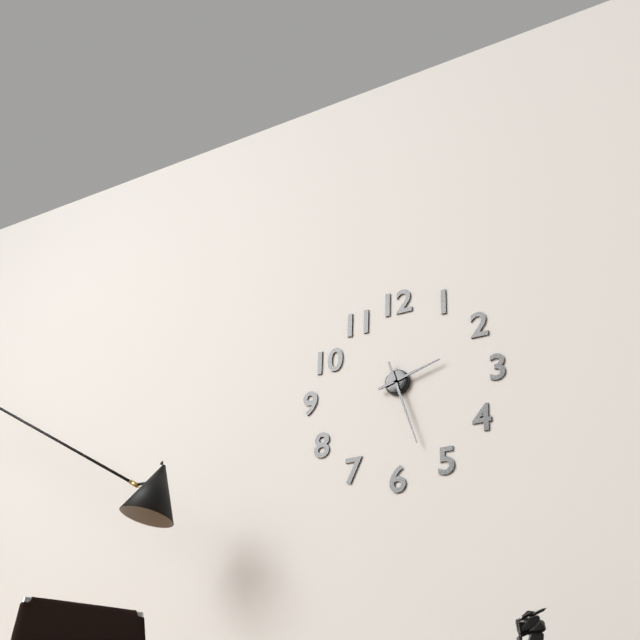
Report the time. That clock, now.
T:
2:27
